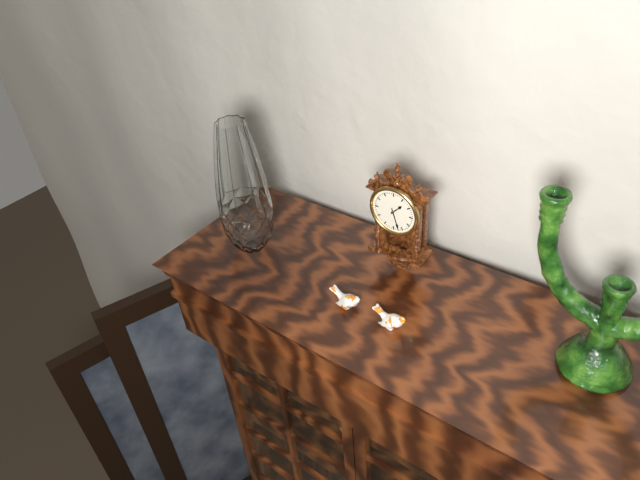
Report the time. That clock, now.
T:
1:27
